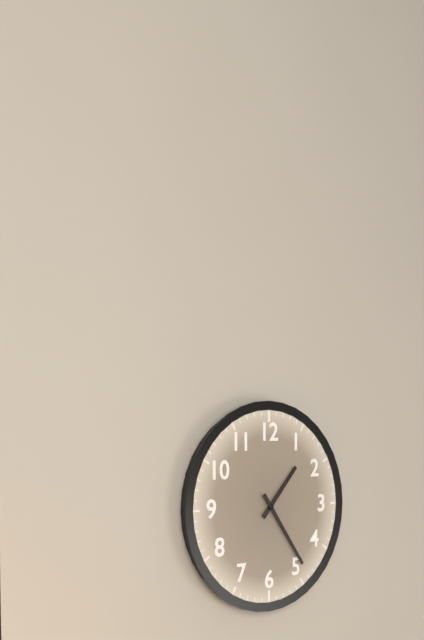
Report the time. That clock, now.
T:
1:24
